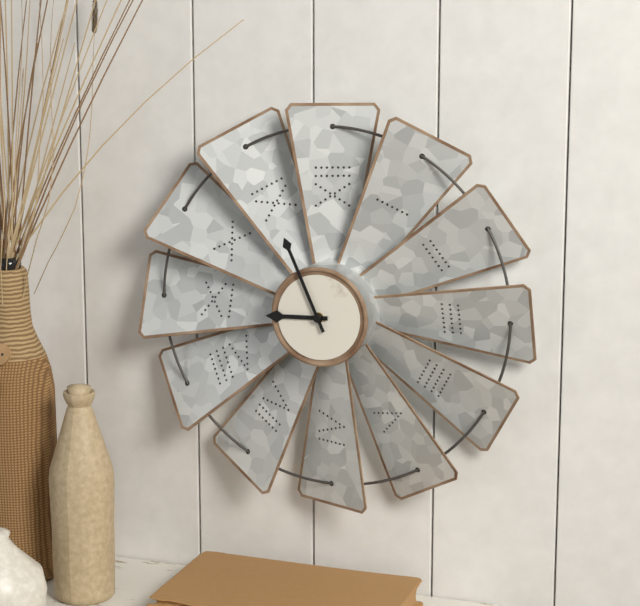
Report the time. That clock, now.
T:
8:56
